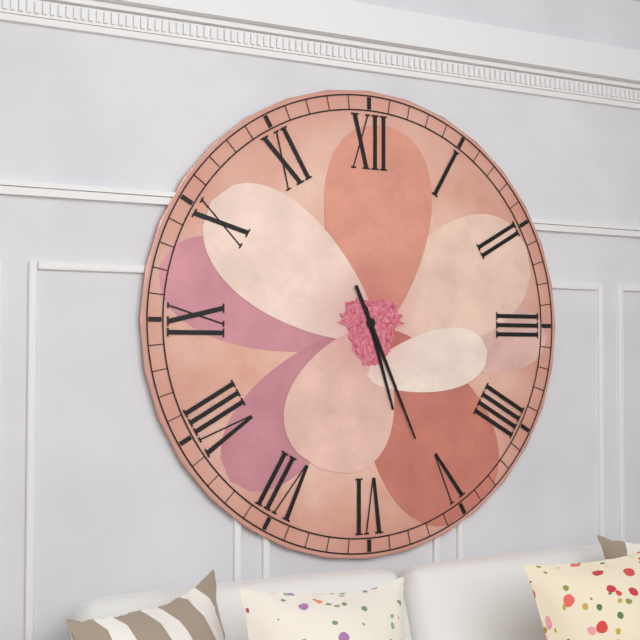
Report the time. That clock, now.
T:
5:26
